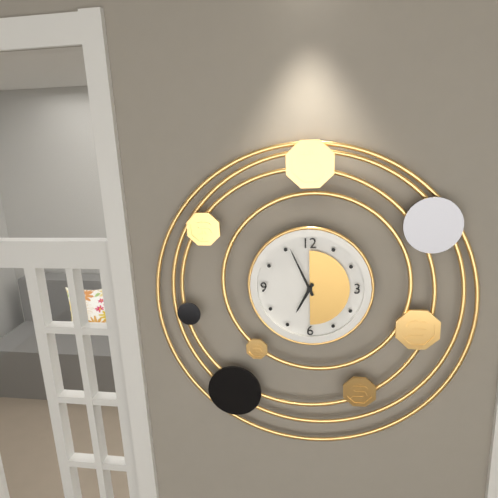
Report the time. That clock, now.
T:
6:56
